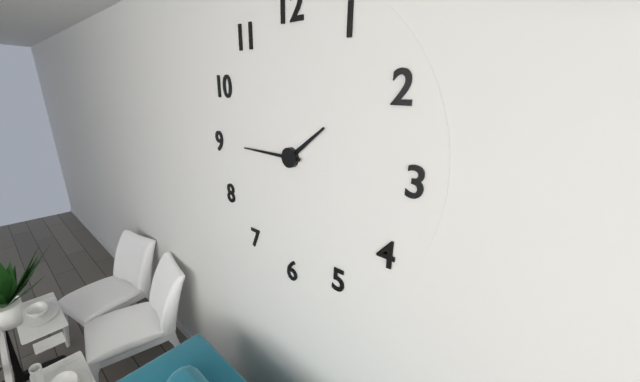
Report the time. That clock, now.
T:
1:45
